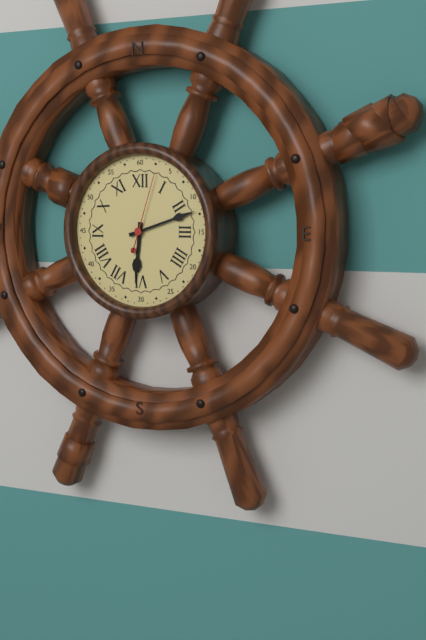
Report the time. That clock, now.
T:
6:12:03
